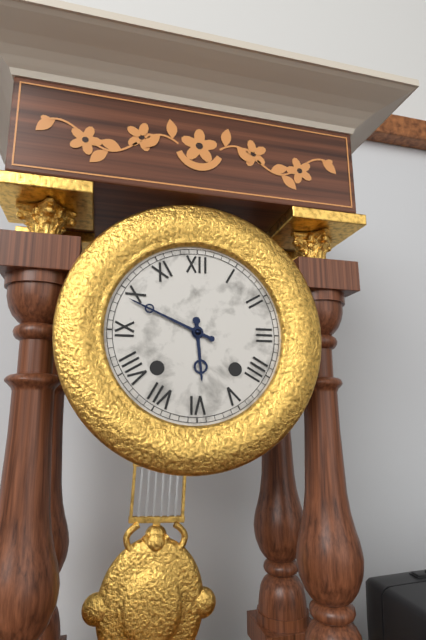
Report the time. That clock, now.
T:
5:49
